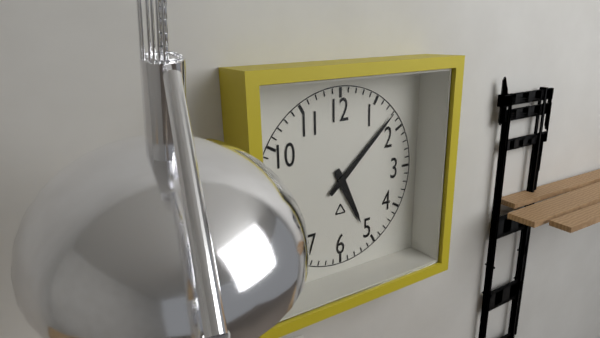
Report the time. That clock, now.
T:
5:08
